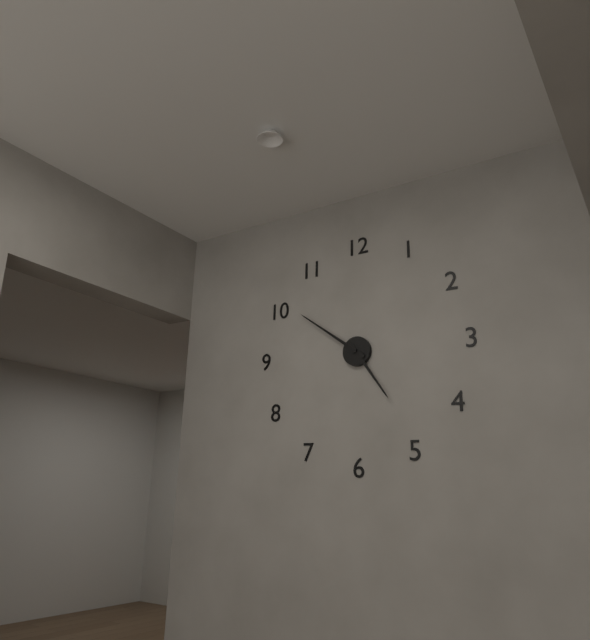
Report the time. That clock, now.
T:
4:51
